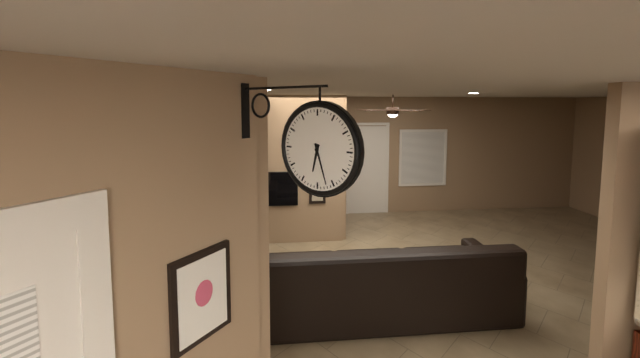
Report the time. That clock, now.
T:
6:27
